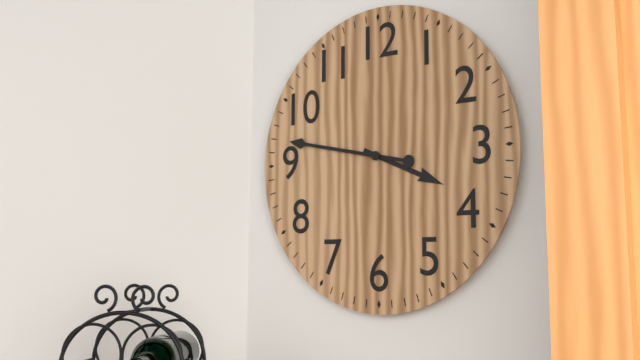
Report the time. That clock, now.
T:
3:47
